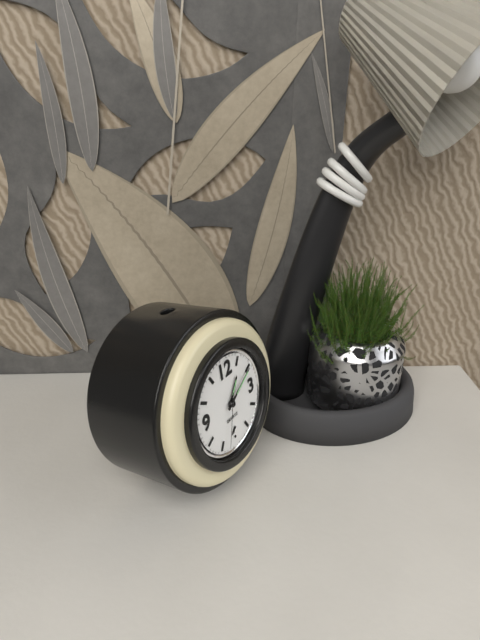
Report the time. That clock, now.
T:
1:10:33
